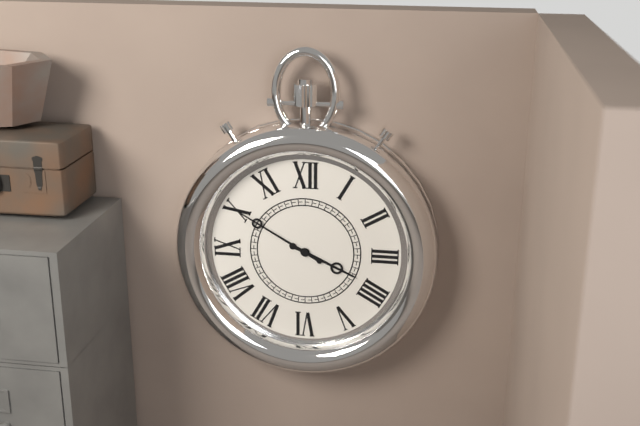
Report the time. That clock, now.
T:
3:50
